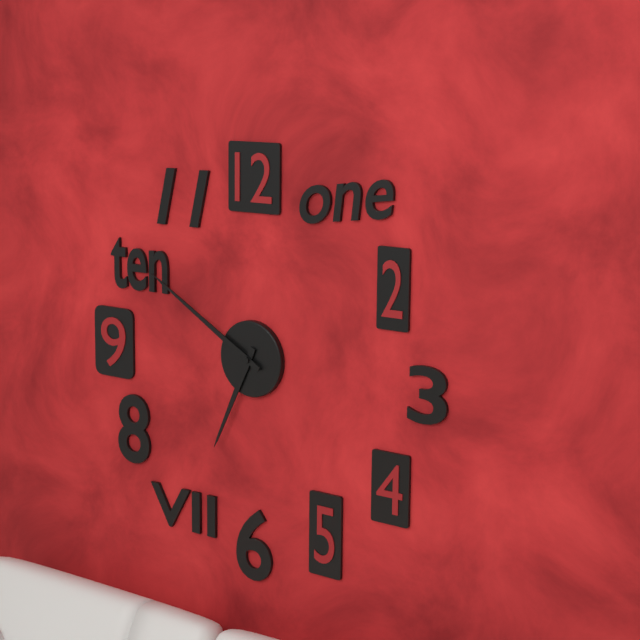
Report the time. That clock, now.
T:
6:50
